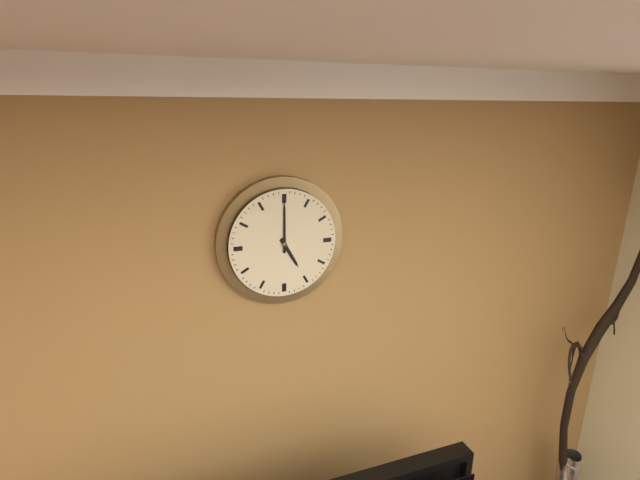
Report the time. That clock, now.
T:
5:00
